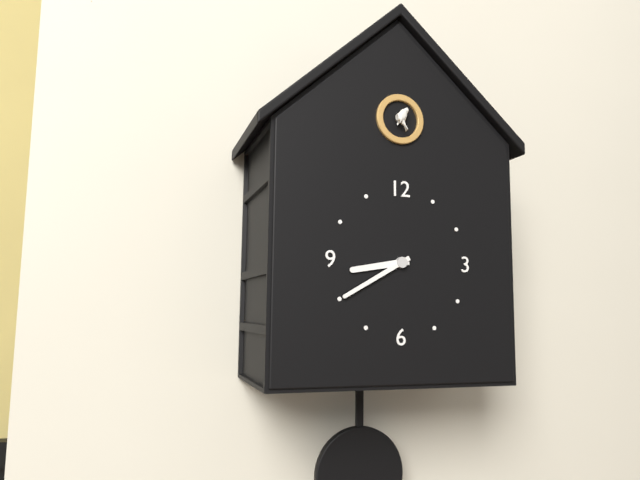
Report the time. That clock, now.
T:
8:40
